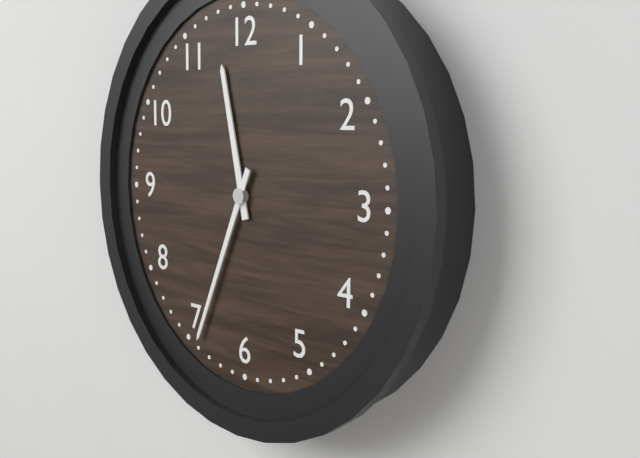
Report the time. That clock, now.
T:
11:34
